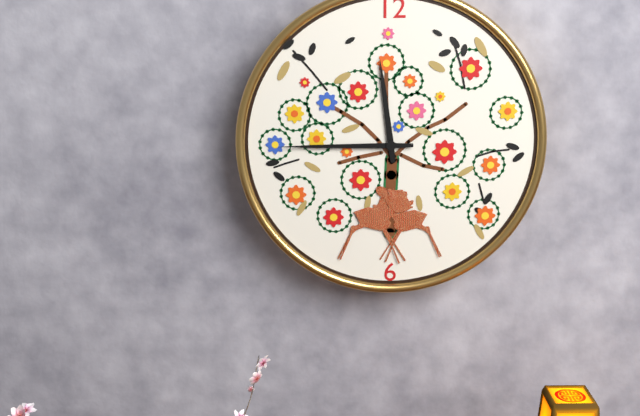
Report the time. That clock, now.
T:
11:45
